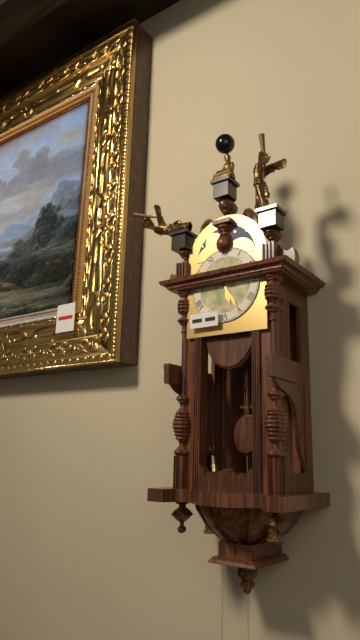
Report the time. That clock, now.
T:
5:25
